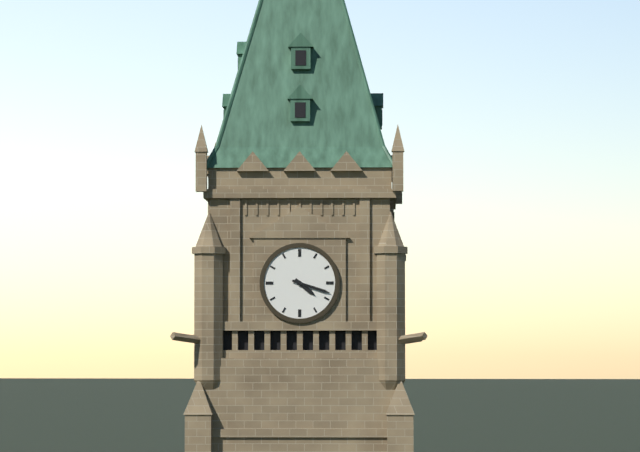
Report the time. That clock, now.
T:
4:18
